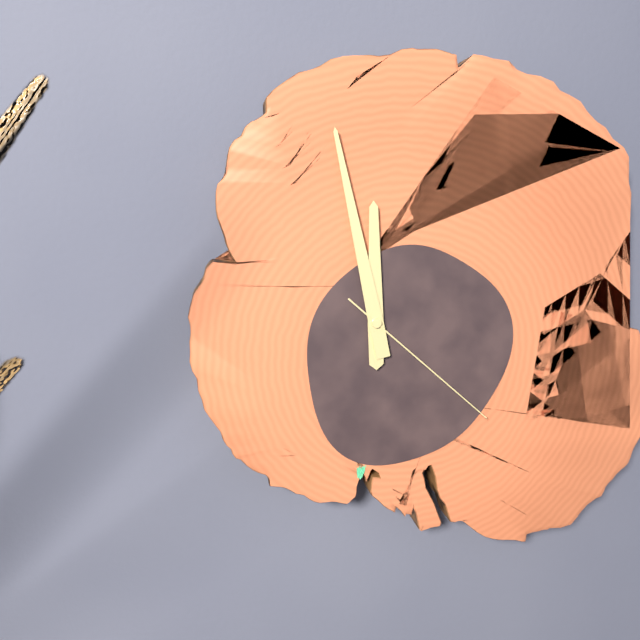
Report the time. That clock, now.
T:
11:58:22
